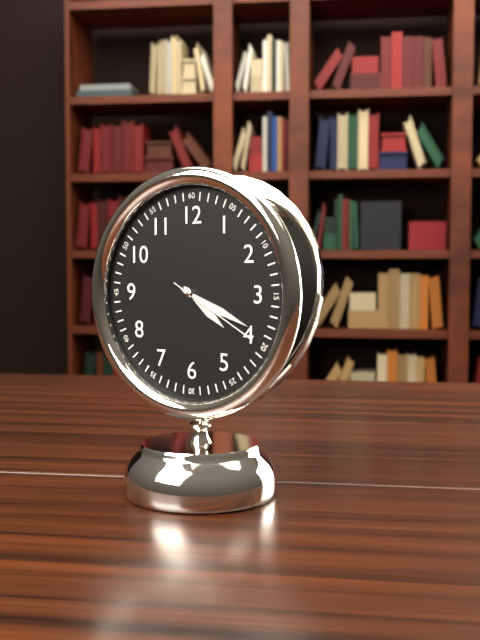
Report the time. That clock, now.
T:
4:19:20
